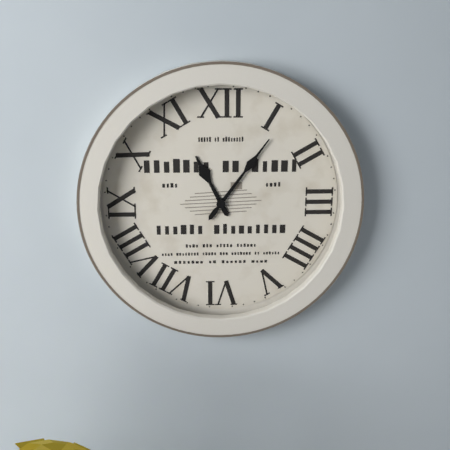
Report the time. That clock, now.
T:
11:06
